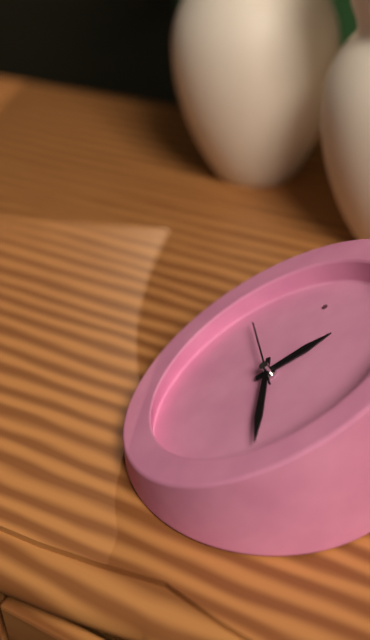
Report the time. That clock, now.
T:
2:31:58
